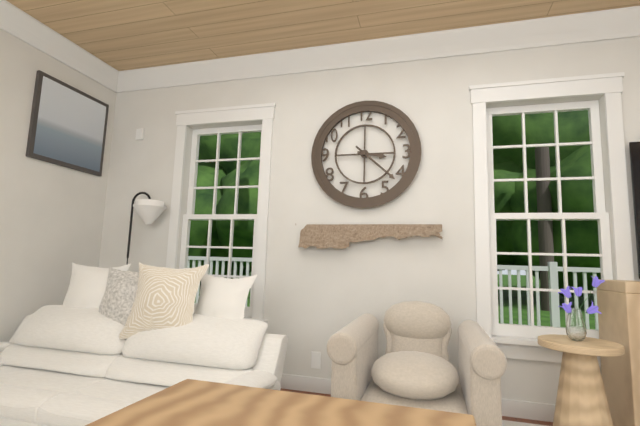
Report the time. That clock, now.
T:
3:22
